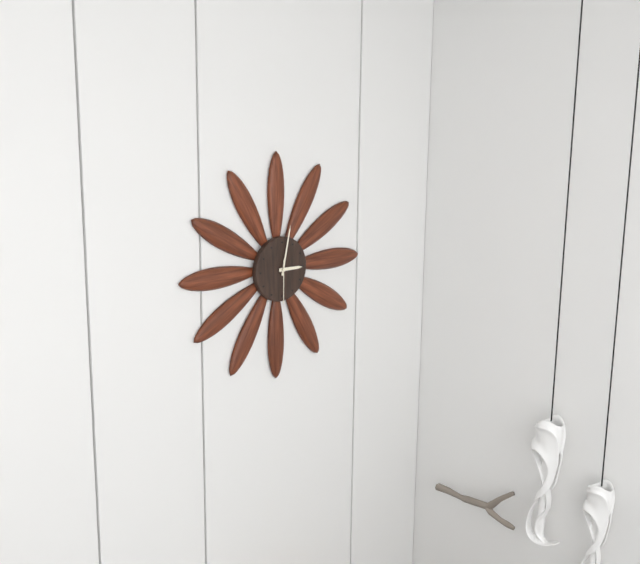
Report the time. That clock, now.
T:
3:02
